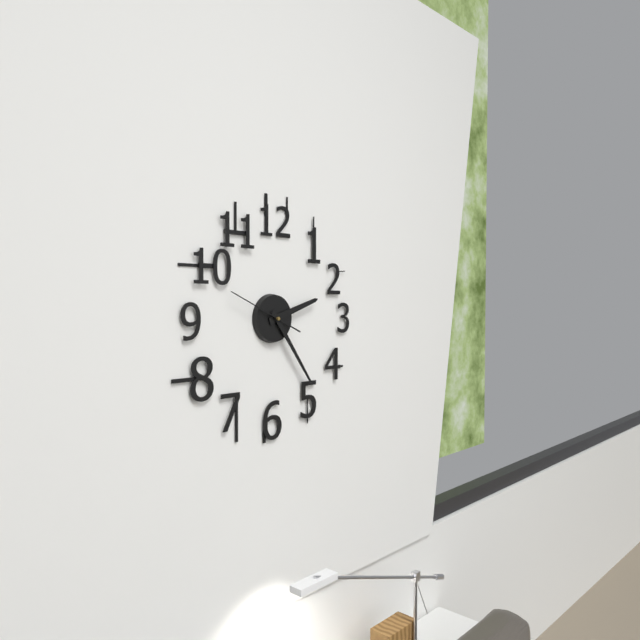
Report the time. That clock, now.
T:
2:24:49
